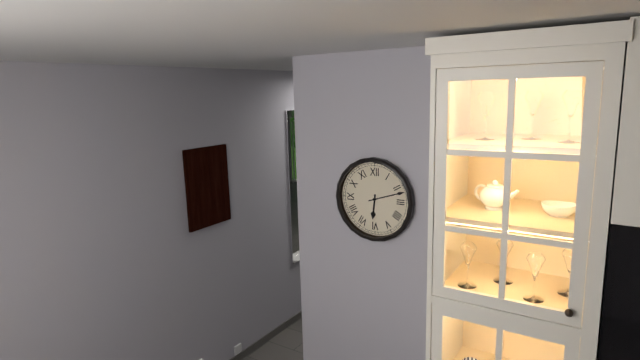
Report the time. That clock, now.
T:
6:12
